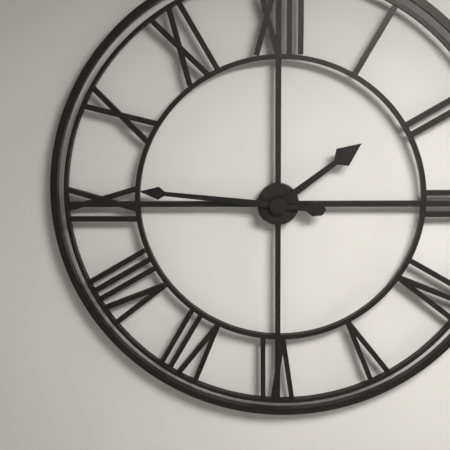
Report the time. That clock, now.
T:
1:46
